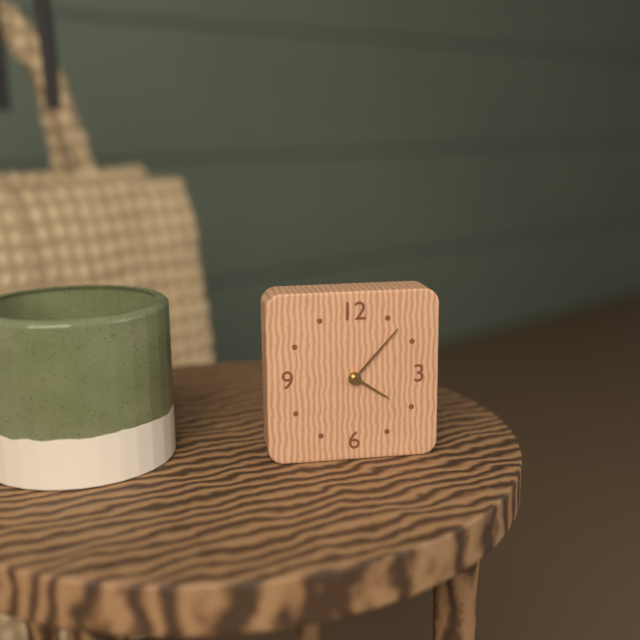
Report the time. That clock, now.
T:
4:07
